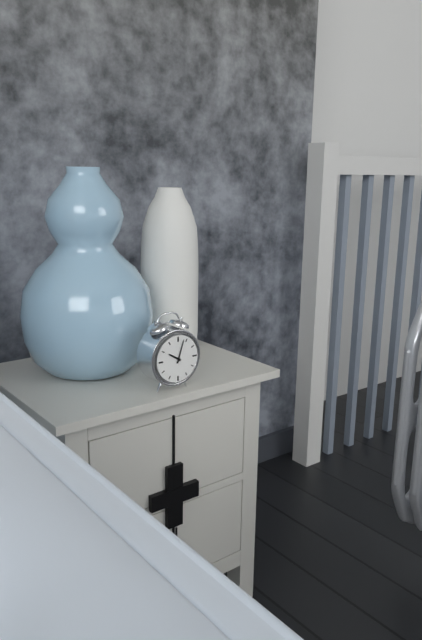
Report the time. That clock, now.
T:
10:03
